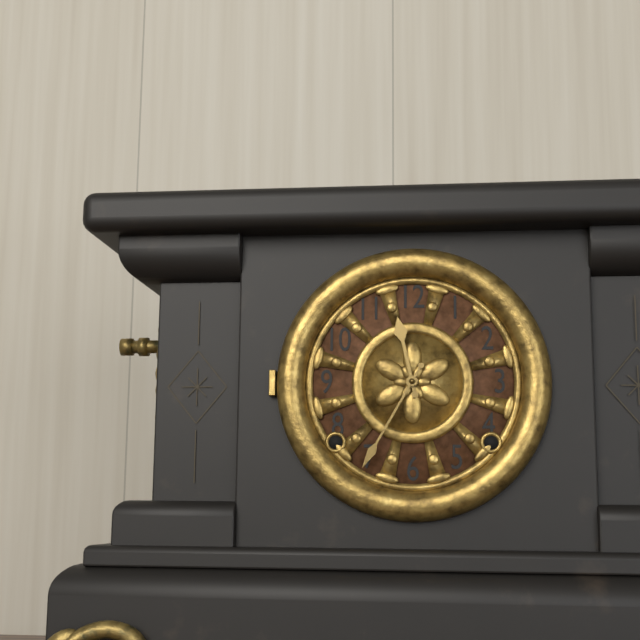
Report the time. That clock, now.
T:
11:35
